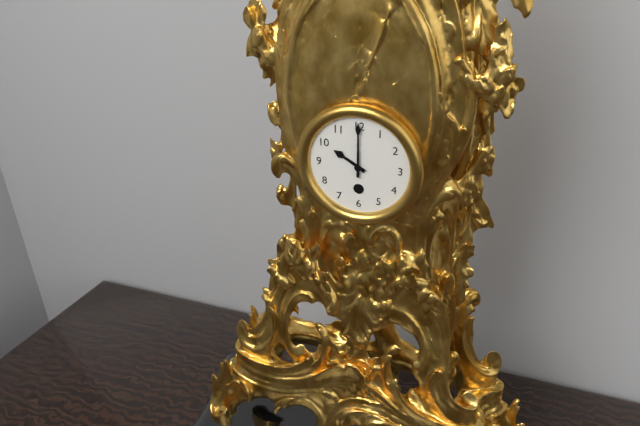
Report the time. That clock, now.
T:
10:00
